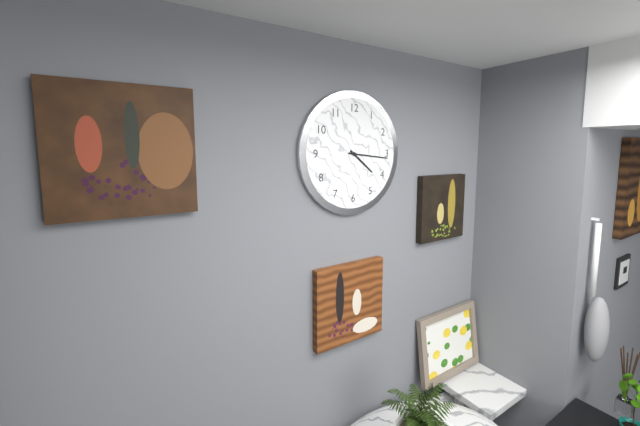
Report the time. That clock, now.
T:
4:16
